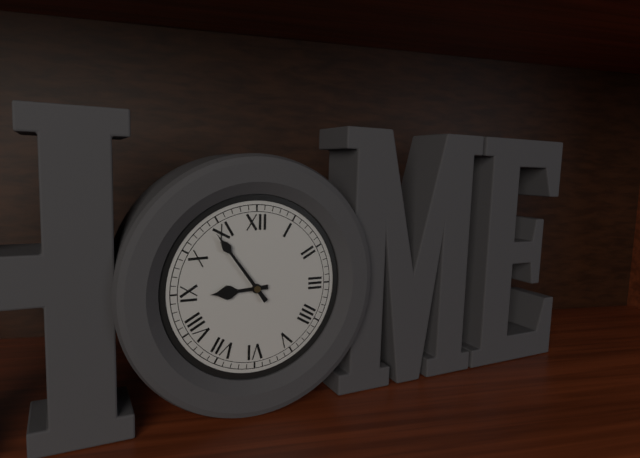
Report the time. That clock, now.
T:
8:54
